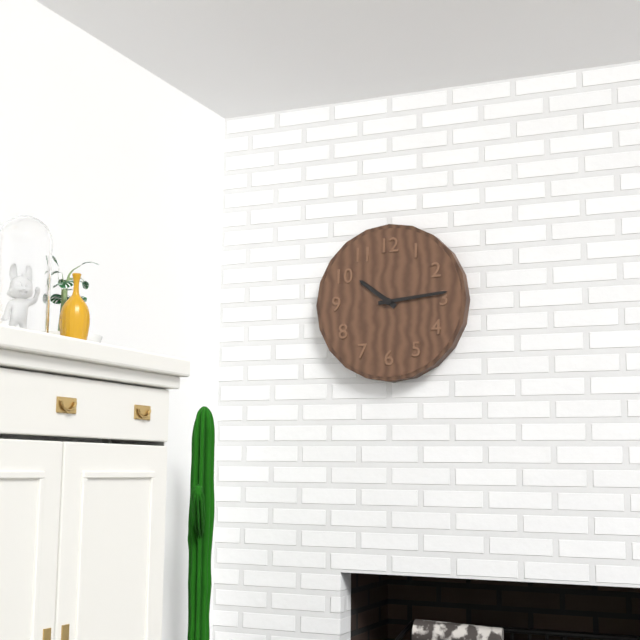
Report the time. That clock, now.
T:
10:14
